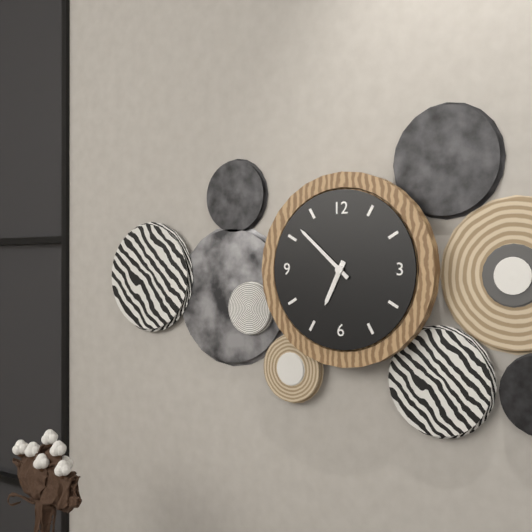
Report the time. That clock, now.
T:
6:52
